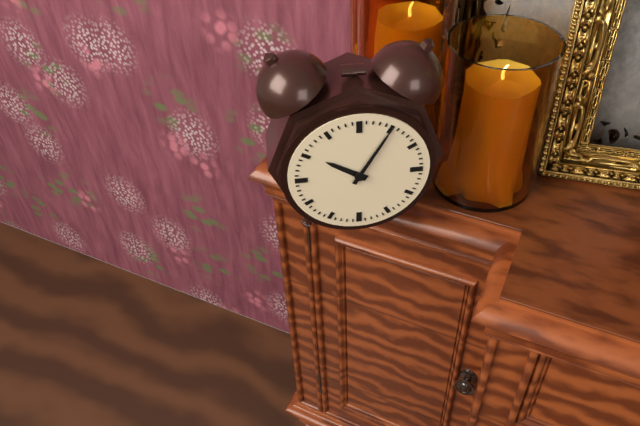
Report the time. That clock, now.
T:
10:05
